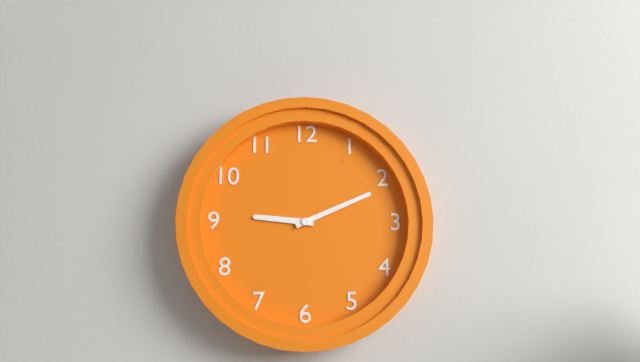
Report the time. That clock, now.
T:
9:11
